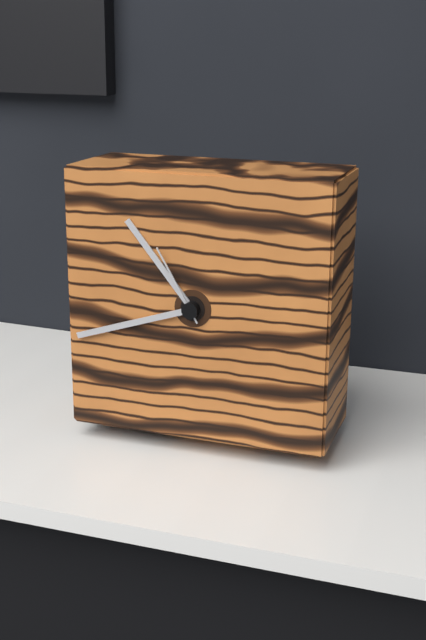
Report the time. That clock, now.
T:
10:42:55
